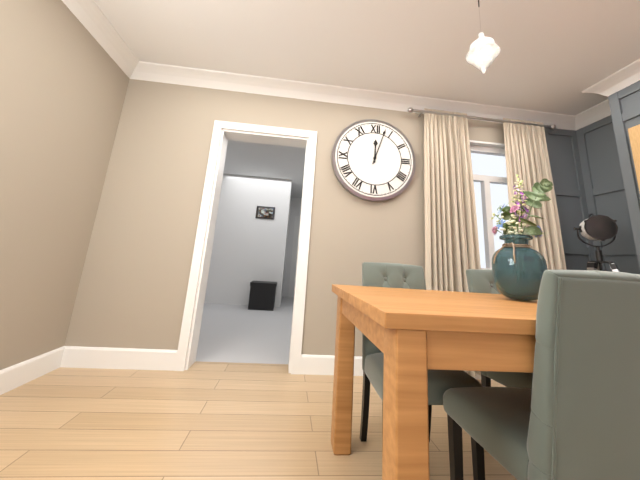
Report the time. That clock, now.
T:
12:03
